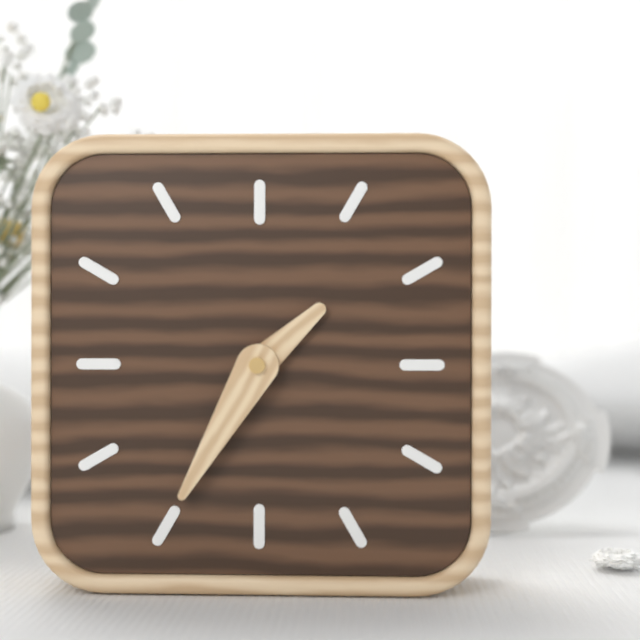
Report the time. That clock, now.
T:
1:35
